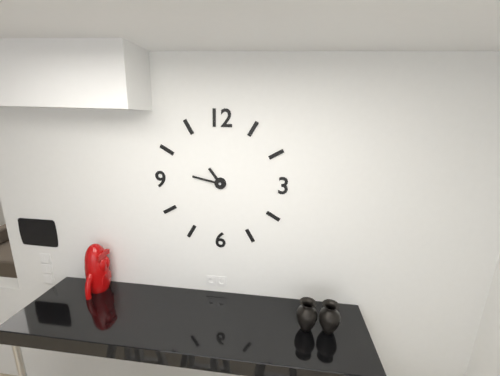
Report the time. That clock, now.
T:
10:47
